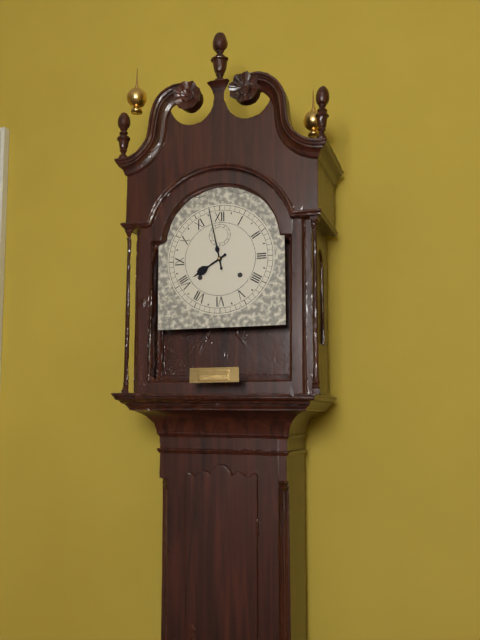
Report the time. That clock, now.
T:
7:58
